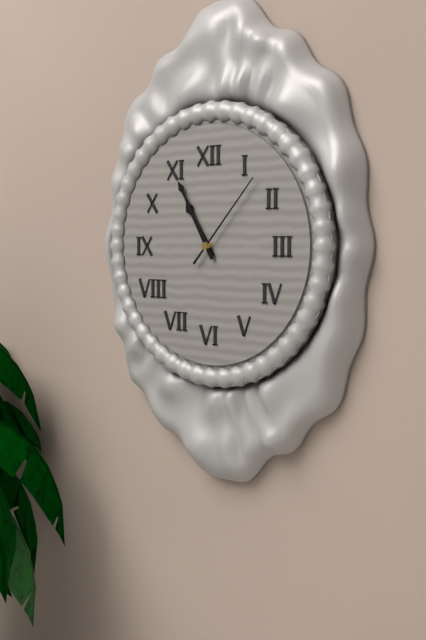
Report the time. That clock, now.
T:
10:55:07
